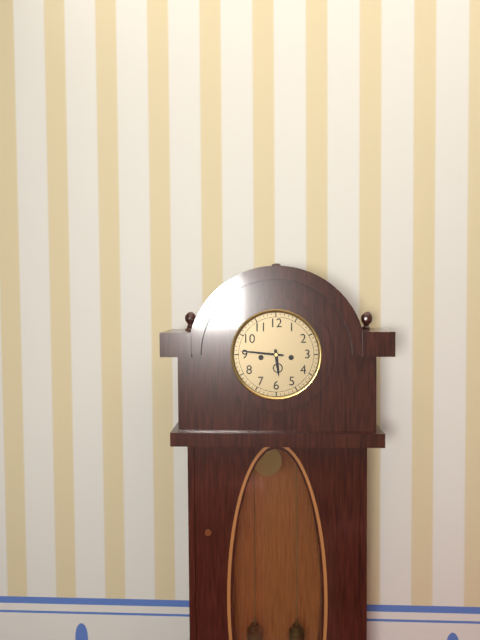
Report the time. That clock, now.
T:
5:46
